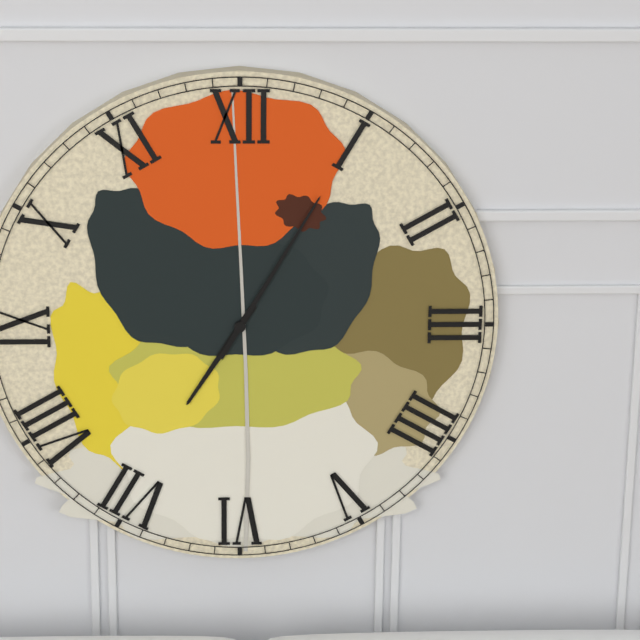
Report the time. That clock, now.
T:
7:05
